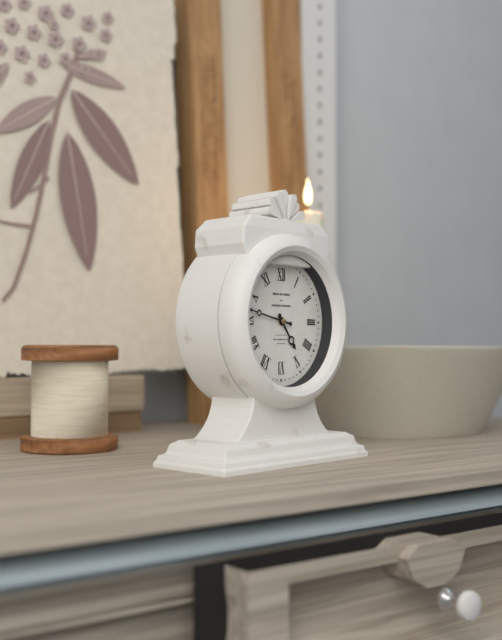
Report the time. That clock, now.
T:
4:47
